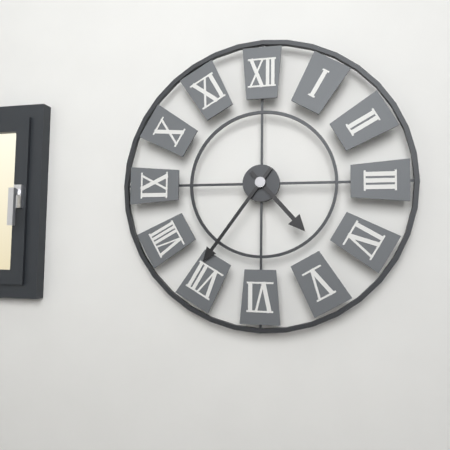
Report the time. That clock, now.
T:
4:36
